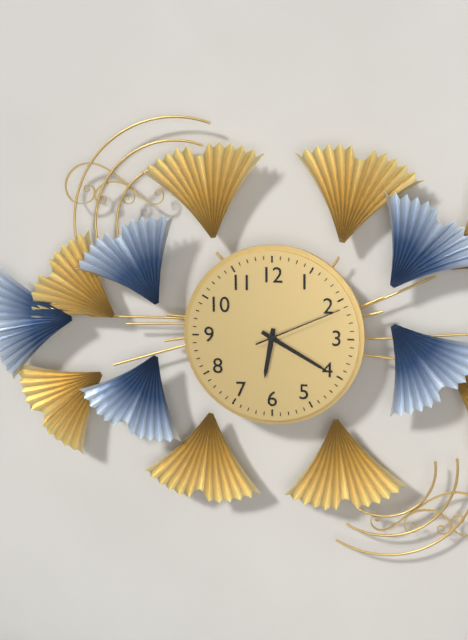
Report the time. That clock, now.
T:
6:20:11
